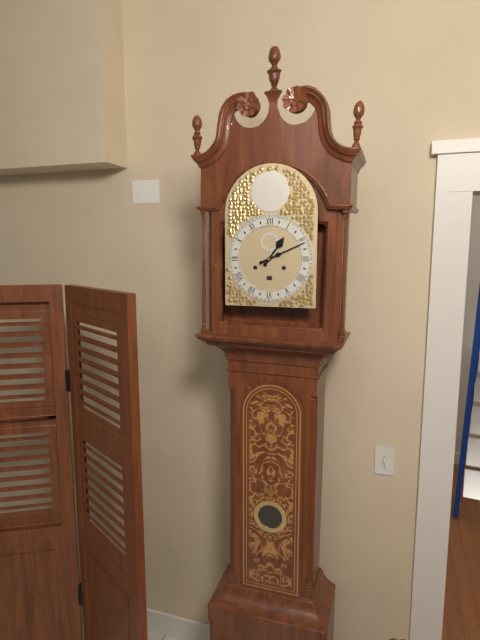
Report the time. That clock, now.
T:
1:11
